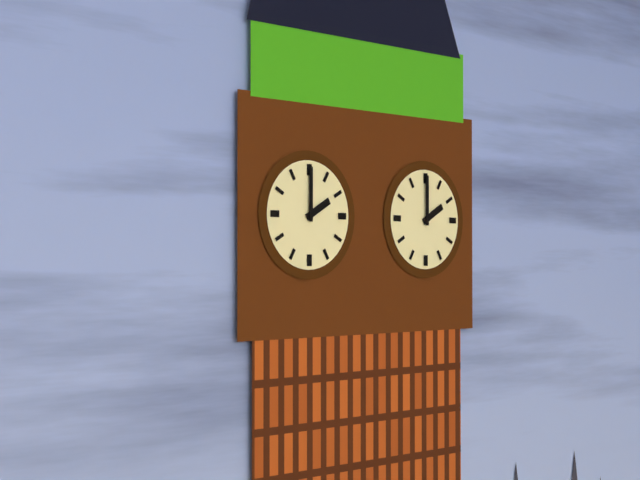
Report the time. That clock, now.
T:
2:00
